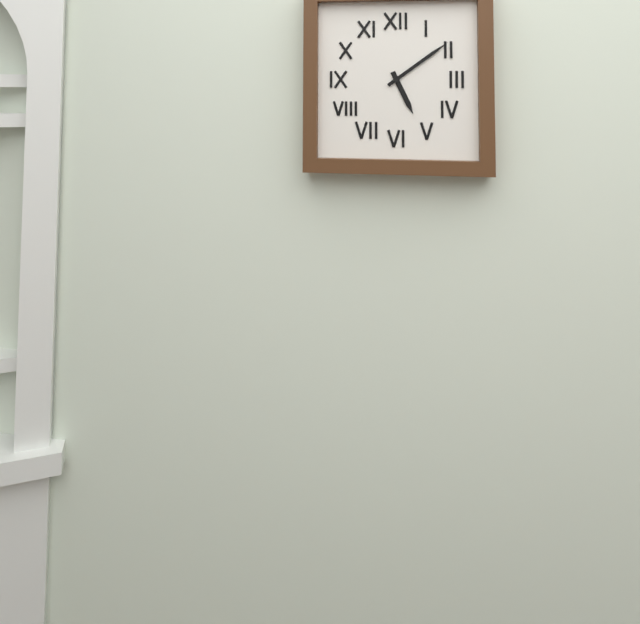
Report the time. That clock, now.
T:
5:09
